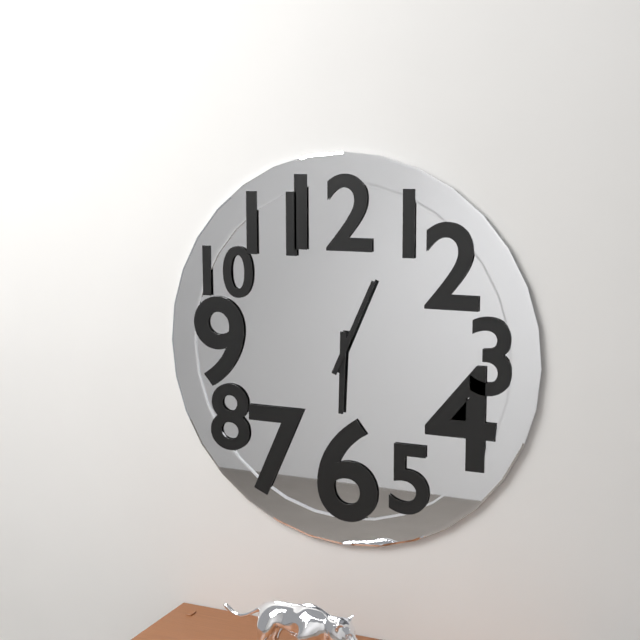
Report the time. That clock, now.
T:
6:04
